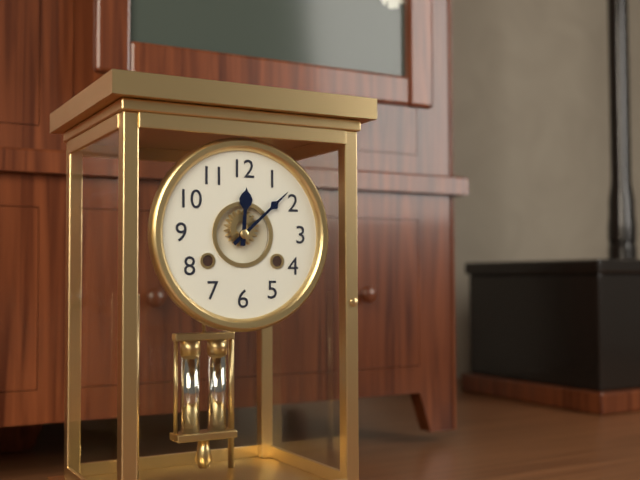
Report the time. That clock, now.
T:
12:08
